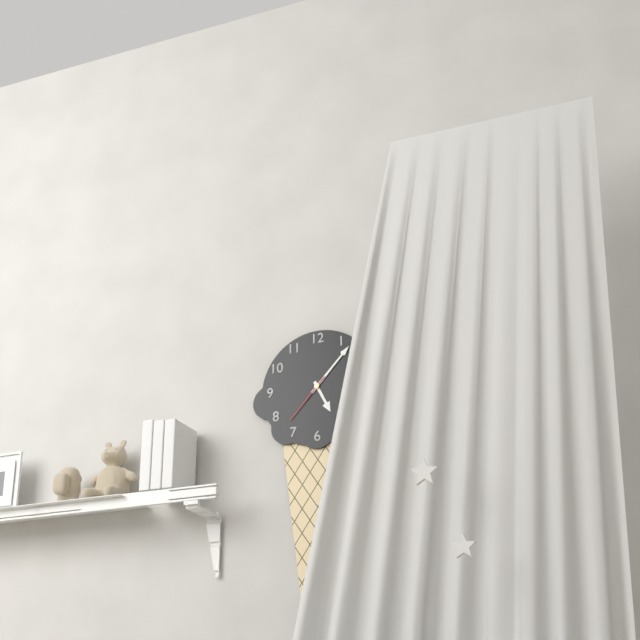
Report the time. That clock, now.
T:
5:07:37
